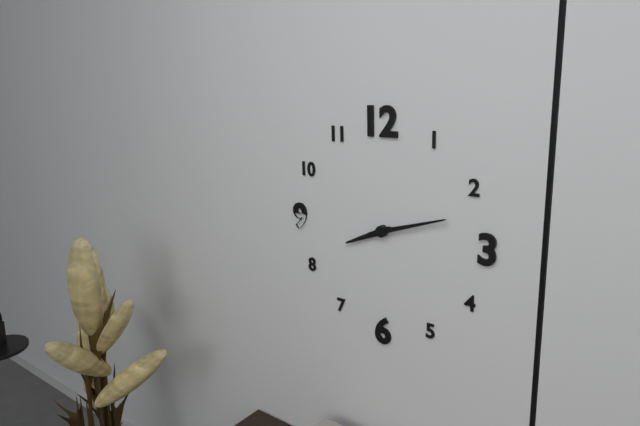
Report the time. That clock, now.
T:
8:12
